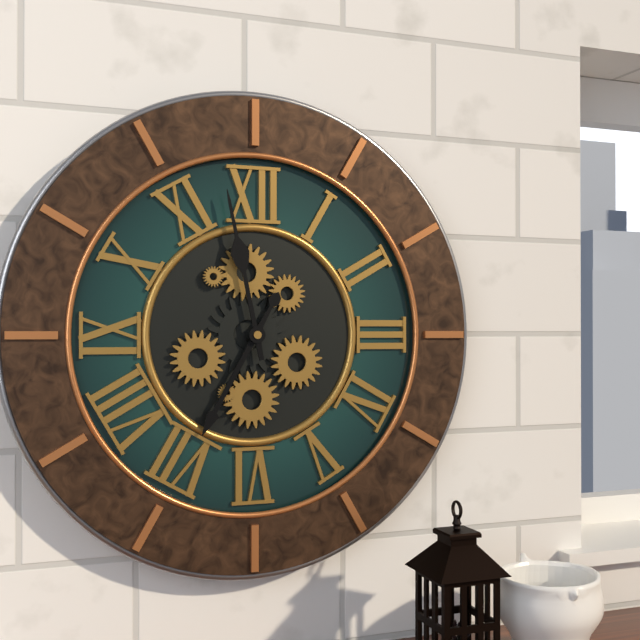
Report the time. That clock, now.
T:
6:58
